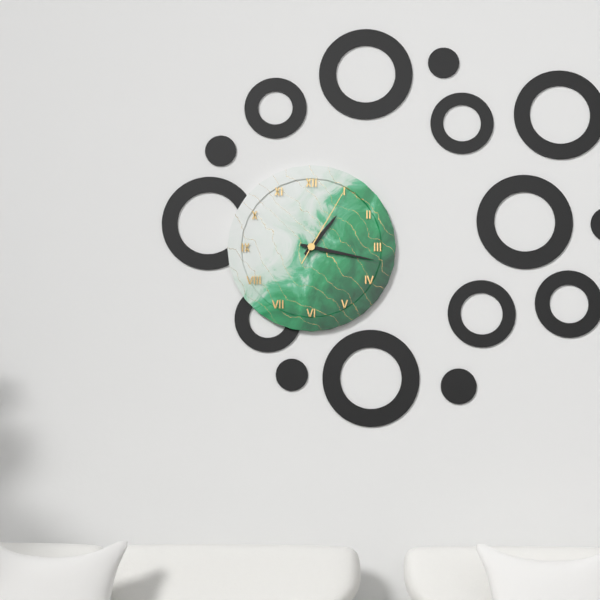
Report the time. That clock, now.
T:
1:17:05
